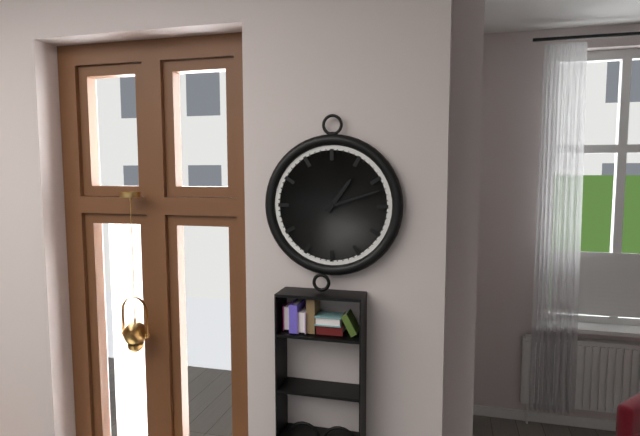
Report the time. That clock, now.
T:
1:12
